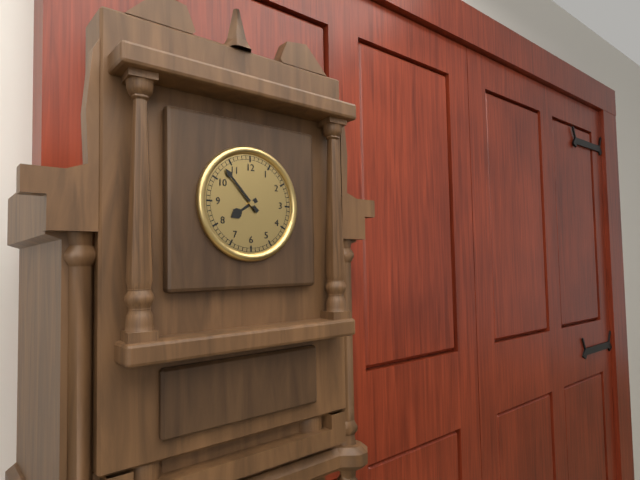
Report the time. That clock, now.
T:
7:53
